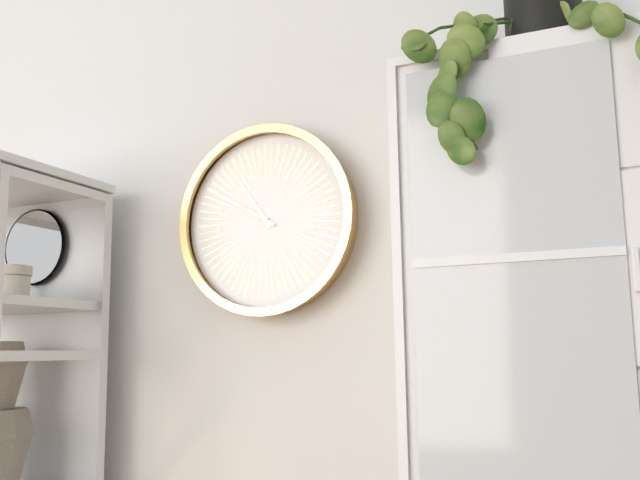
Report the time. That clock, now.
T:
10:50
